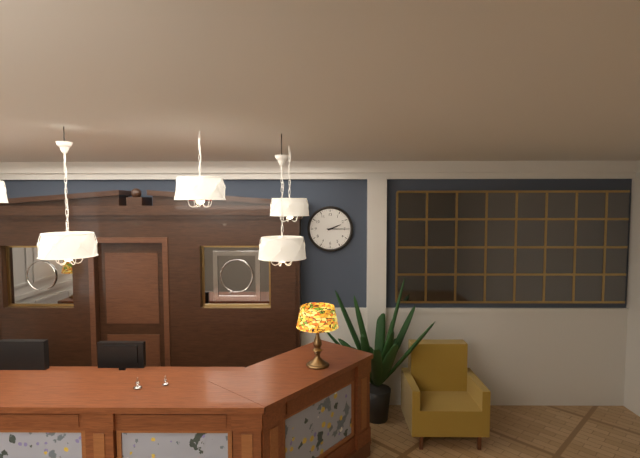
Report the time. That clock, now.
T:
2:15
